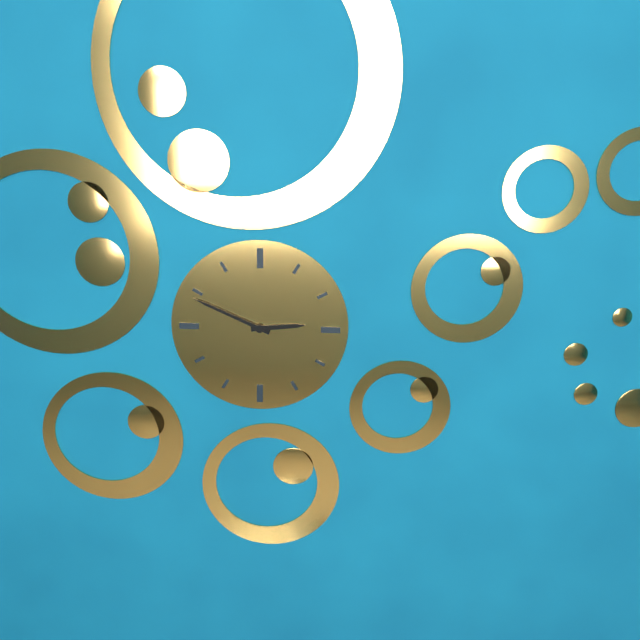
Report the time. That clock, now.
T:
2:49
